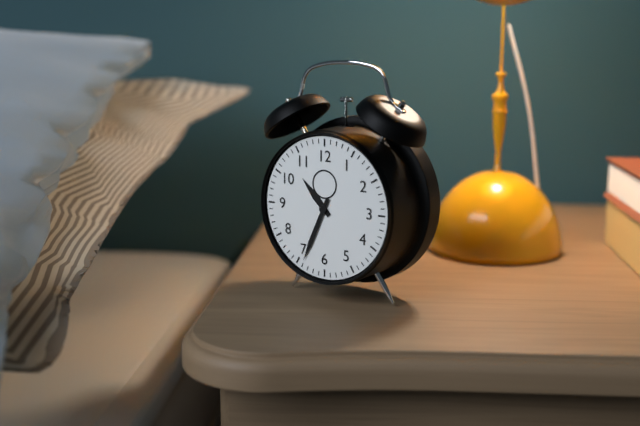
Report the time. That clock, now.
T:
10:34
